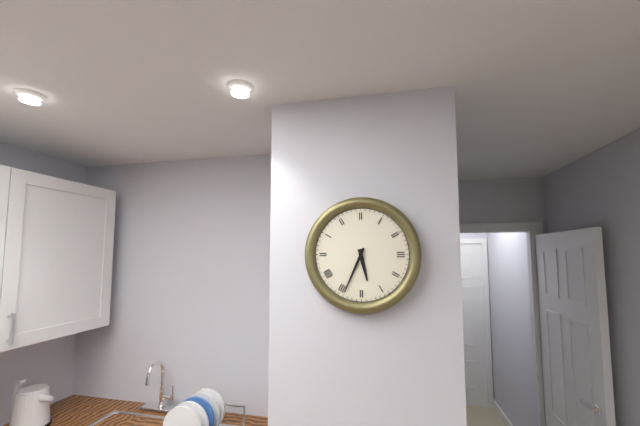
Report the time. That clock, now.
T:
5:34
